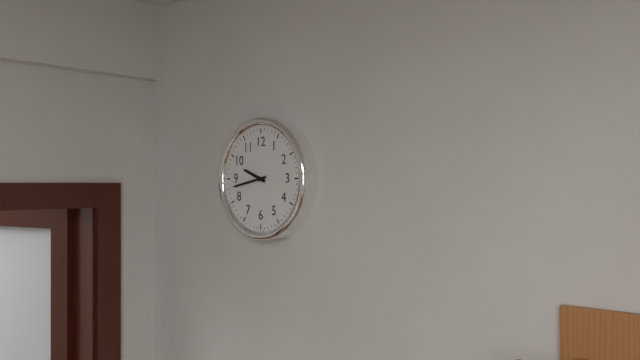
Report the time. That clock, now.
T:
9:43
